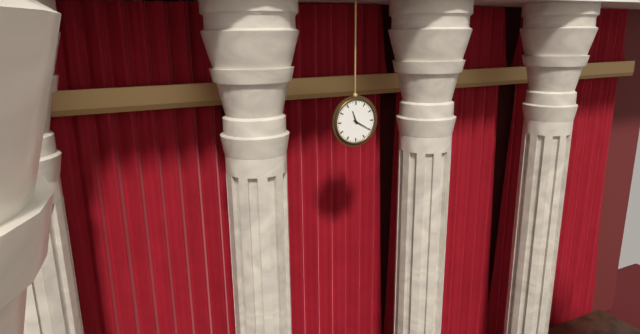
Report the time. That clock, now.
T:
11:20
